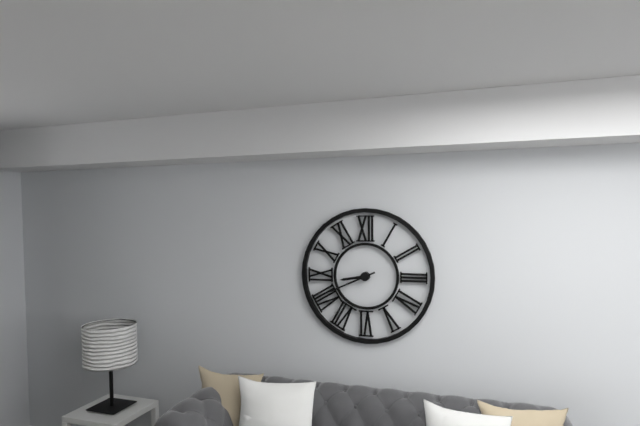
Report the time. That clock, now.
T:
8:41
